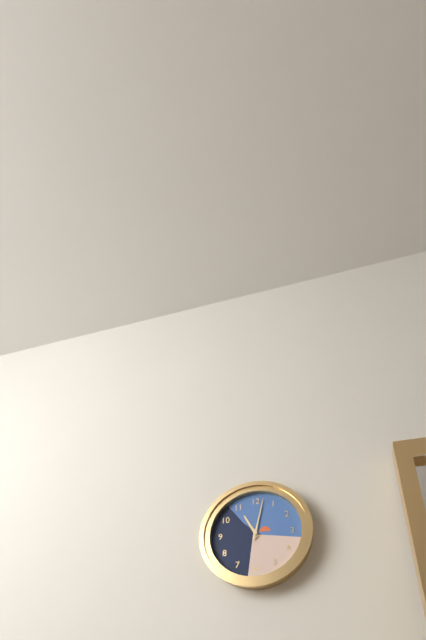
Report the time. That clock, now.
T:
11:02
